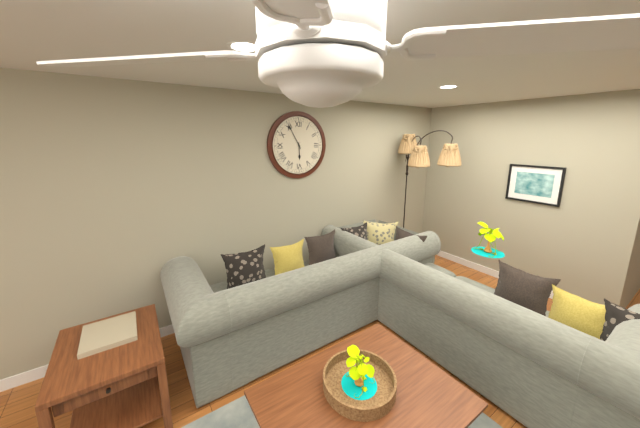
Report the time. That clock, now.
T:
5:55
